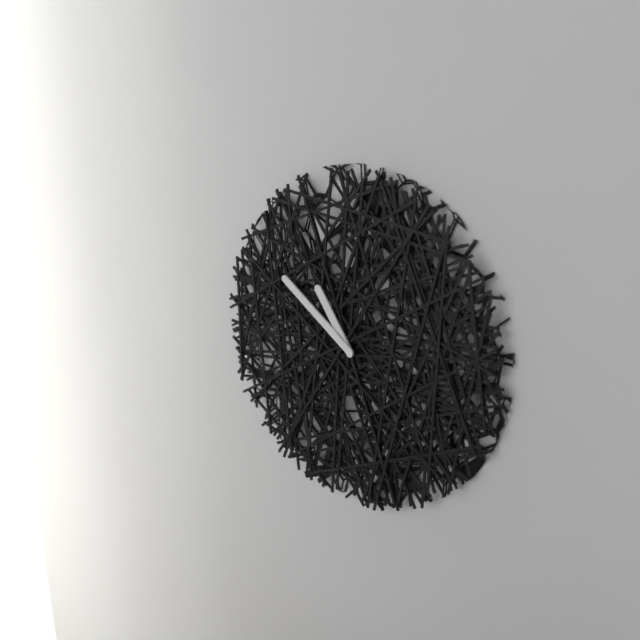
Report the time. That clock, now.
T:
10:51
